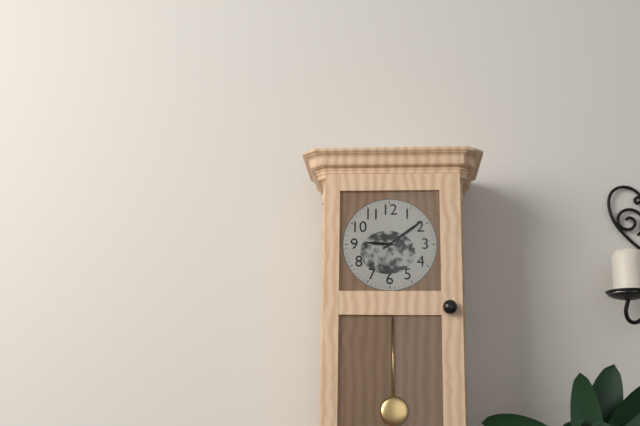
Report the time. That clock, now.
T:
9:09
